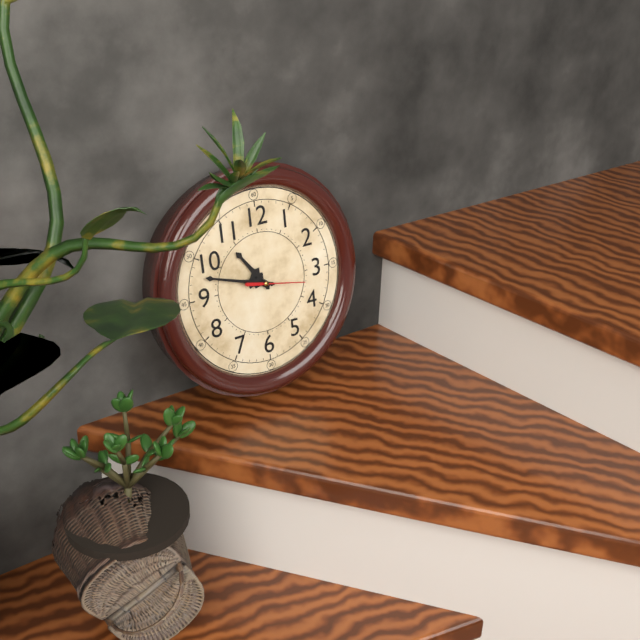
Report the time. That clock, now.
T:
10:48:17
